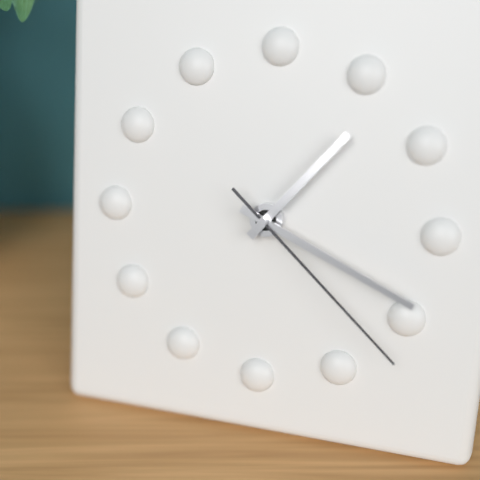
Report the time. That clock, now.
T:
1:19:22
